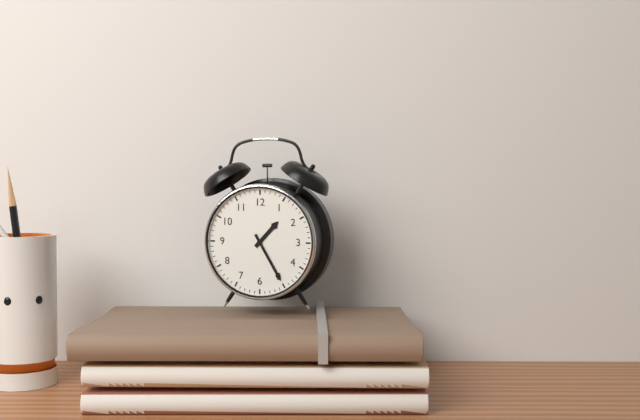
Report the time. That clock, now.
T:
1:25
